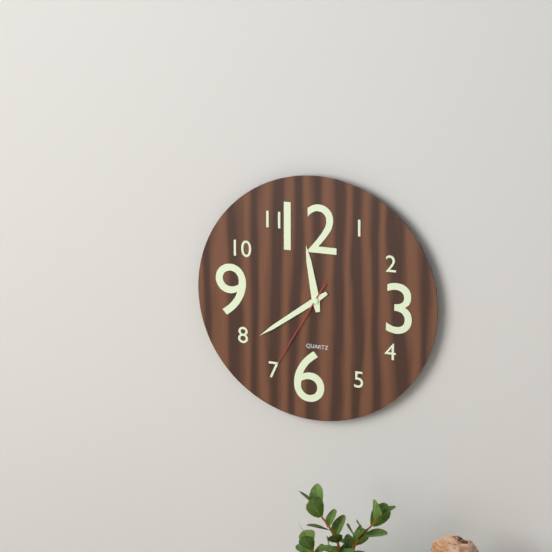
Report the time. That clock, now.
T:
11:39:35
